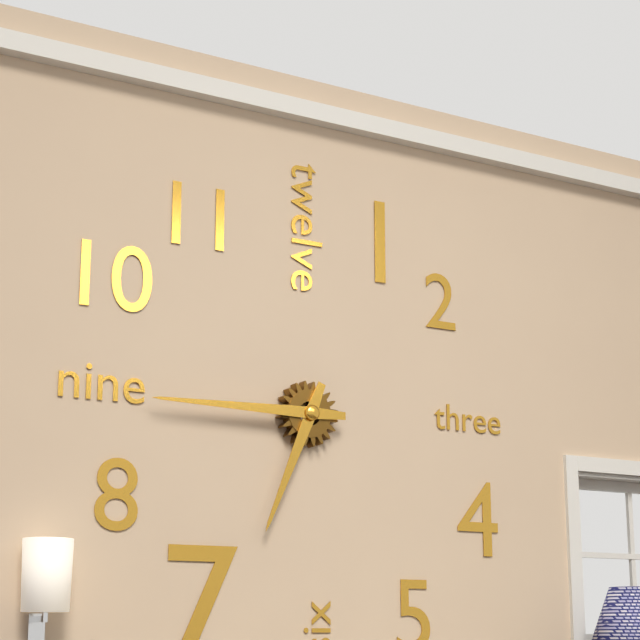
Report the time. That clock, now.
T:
6:45
